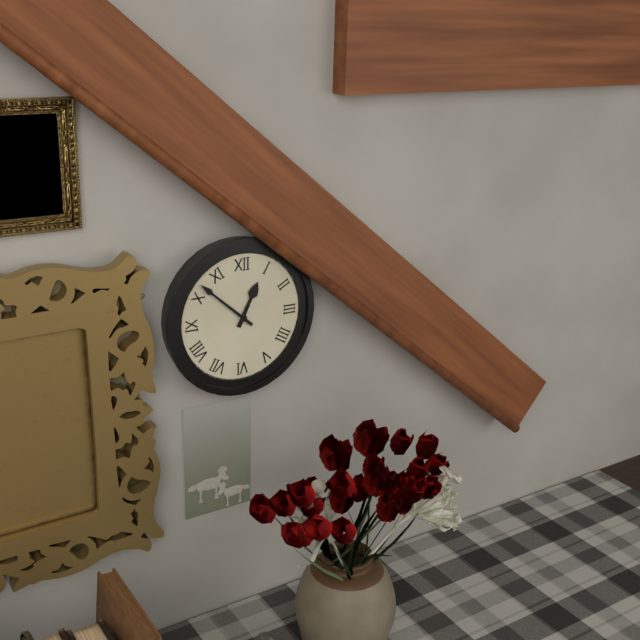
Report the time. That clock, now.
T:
12:52
